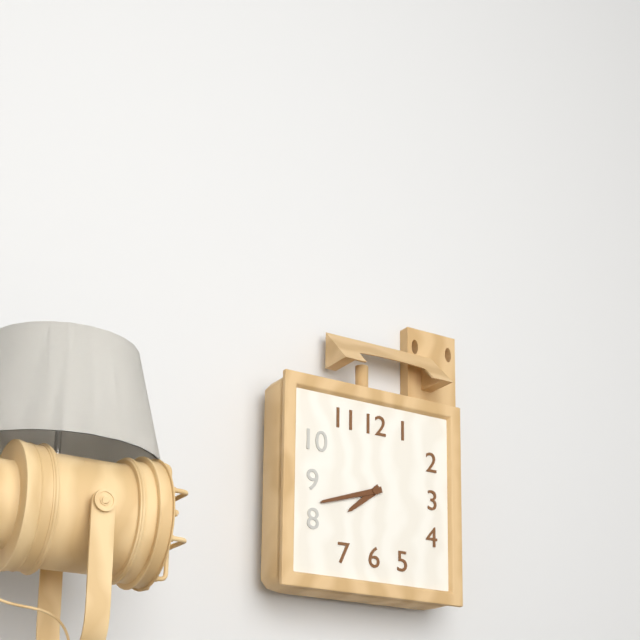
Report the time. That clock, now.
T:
7:42
